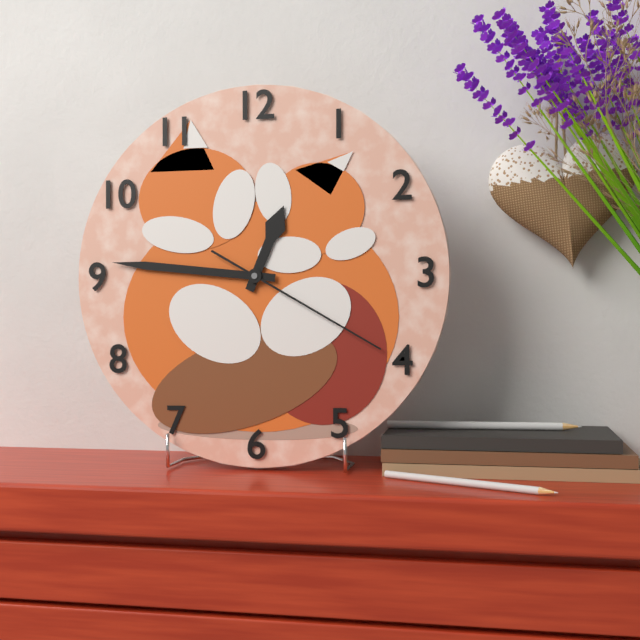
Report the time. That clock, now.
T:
12:46:20
